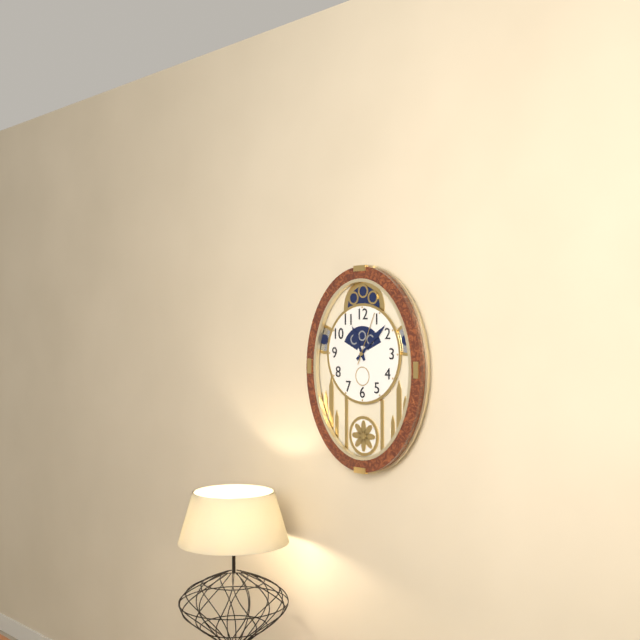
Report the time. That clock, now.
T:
11:08:04
